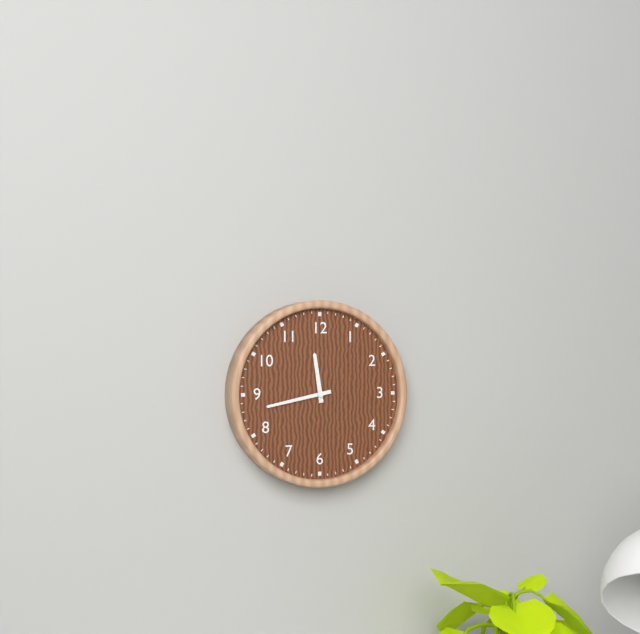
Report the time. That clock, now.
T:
11:43
